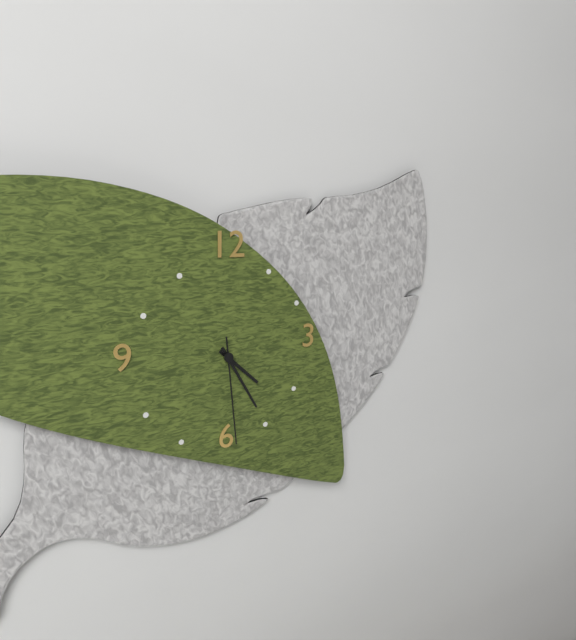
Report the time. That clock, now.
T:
4:25:29
